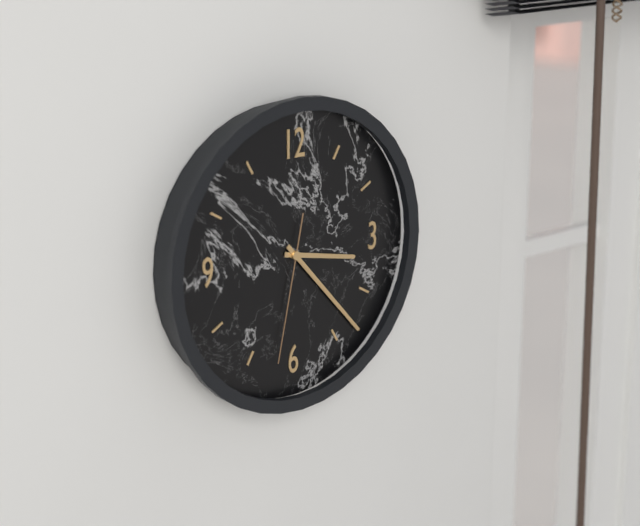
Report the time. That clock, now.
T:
3:23:32
